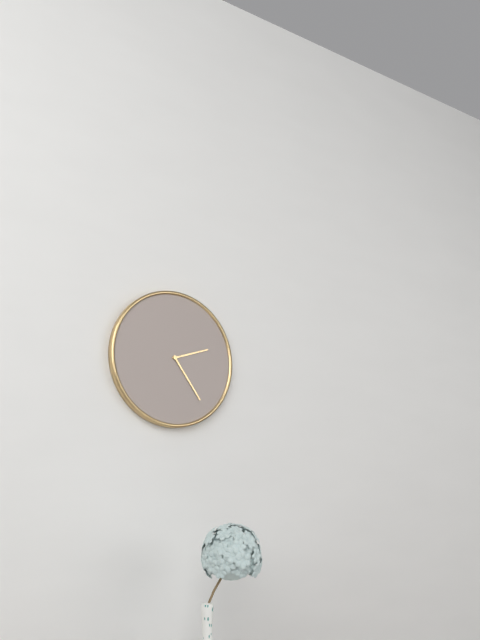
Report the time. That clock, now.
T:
2:24
